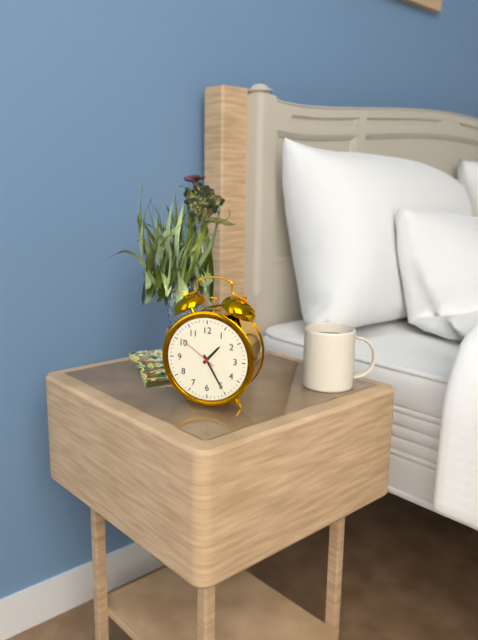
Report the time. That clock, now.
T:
1:25
